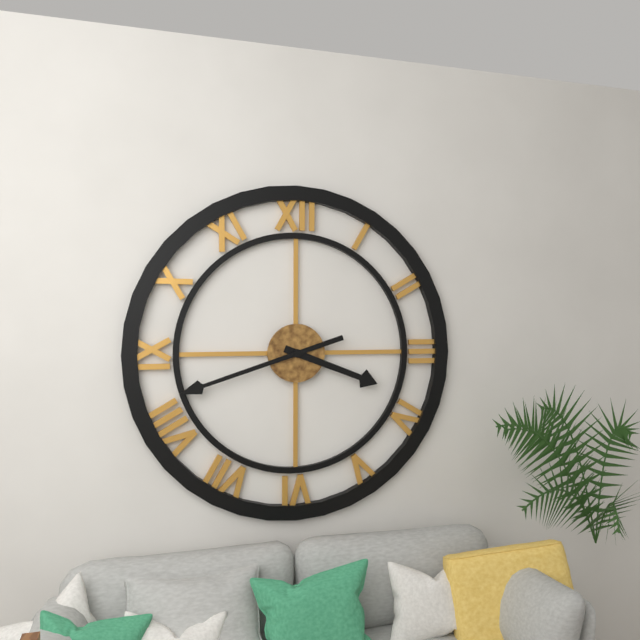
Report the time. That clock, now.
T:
3:42
